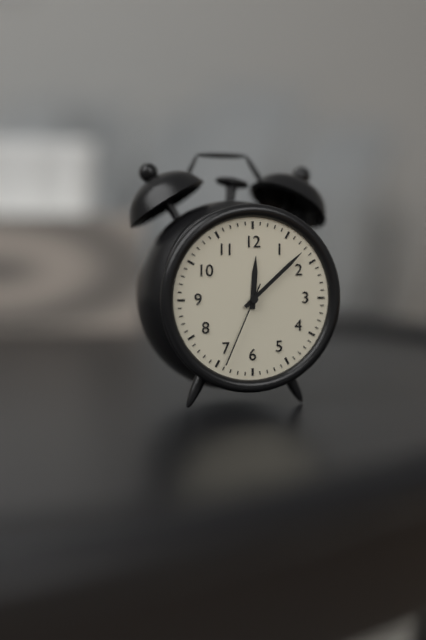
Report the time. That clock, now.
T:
12:08:34
